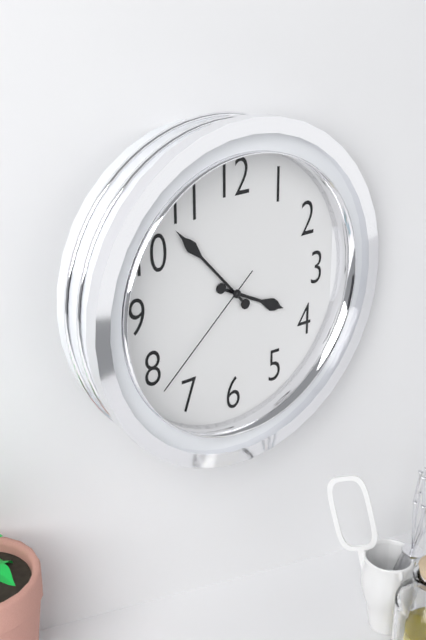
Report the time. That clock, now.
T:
3:53:38
